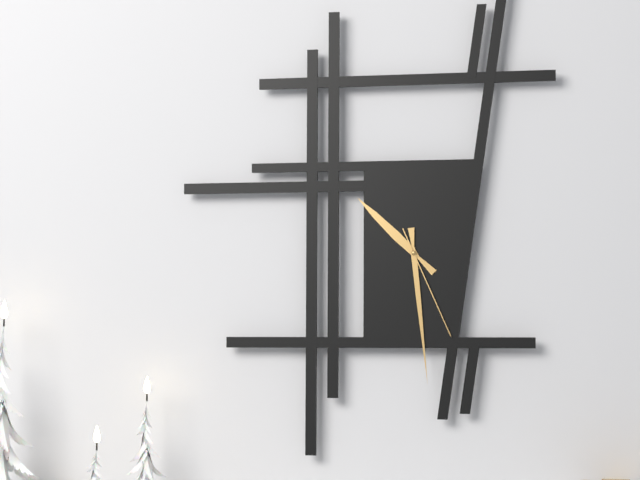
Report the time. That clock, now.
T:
10:29:26
